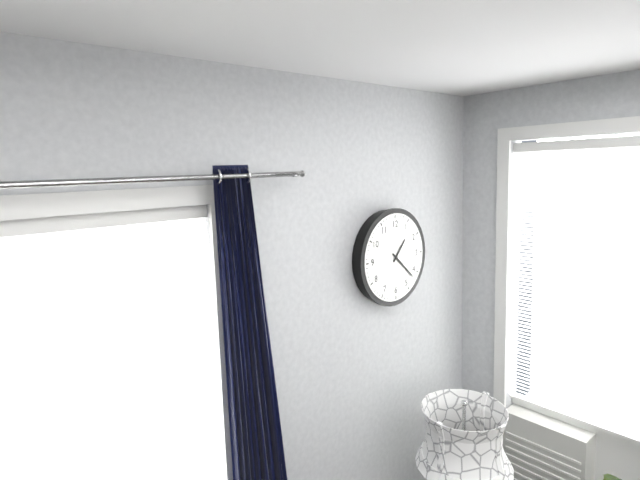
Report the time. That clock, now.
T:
1:22
